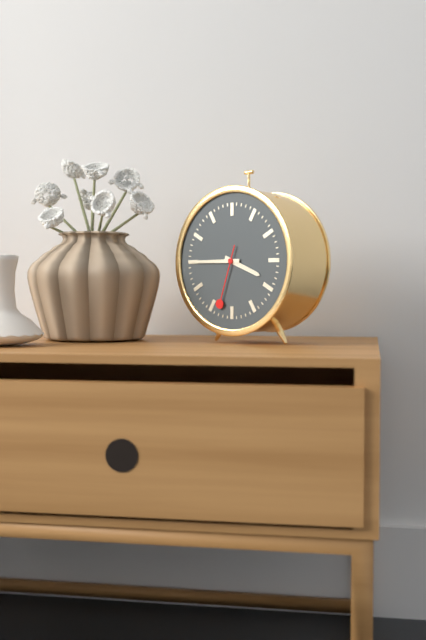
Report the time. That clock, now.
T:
3:45:33
